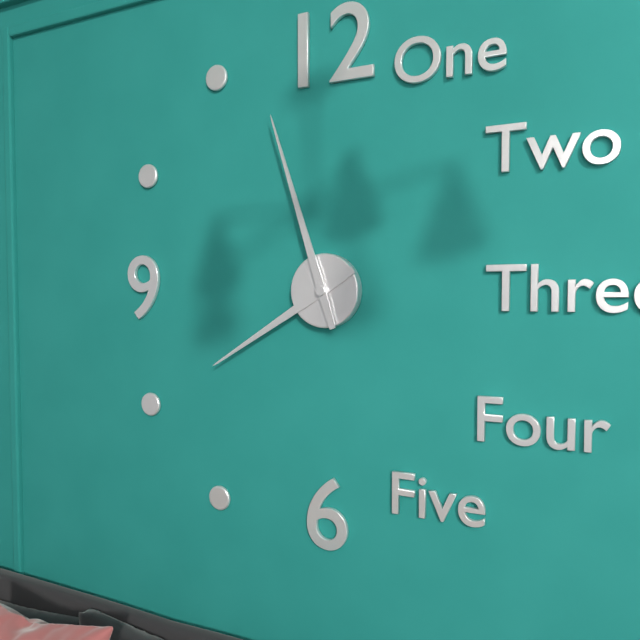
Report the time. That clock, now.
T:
7:57
